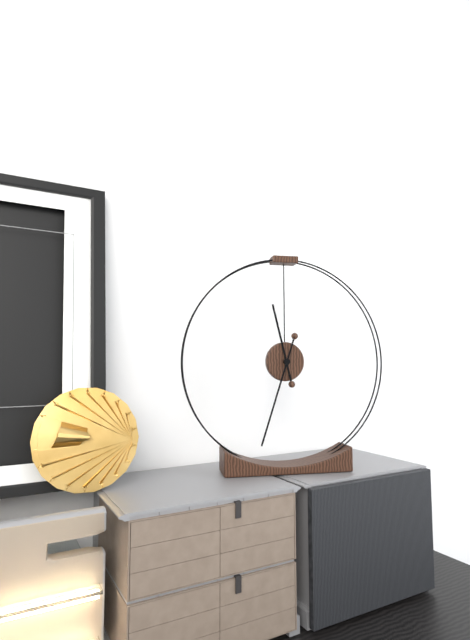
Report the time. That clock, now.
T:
11:33
